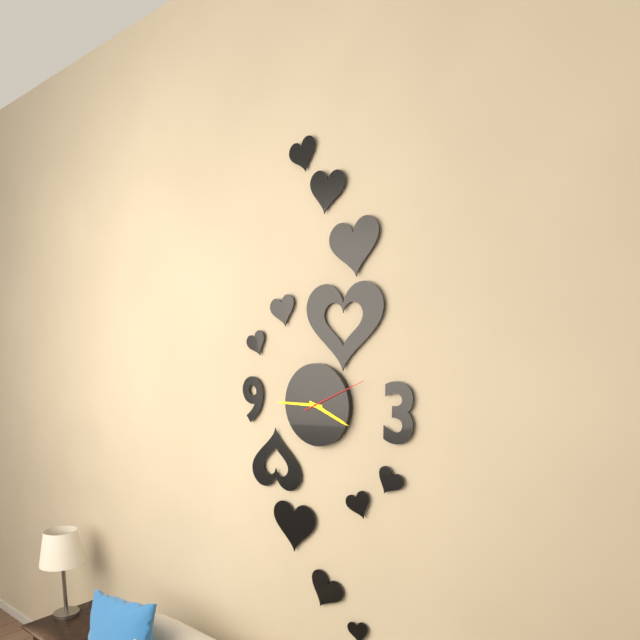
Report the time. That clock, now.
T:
3:45:11
